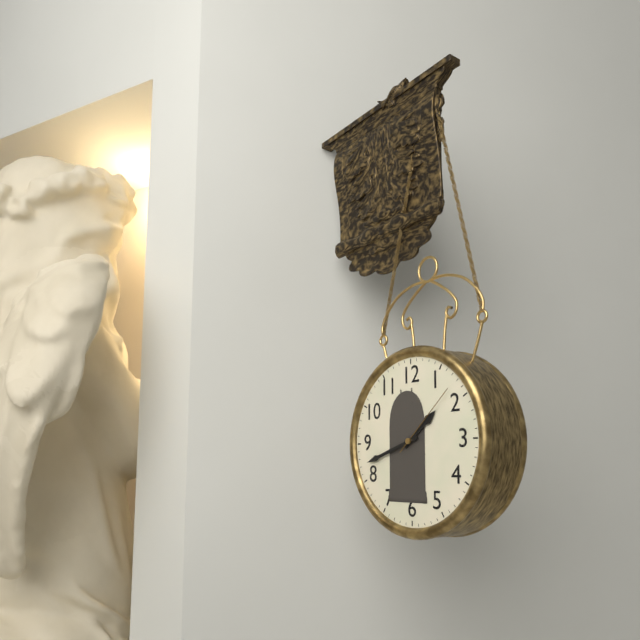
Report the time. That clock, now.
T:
1:42:08
